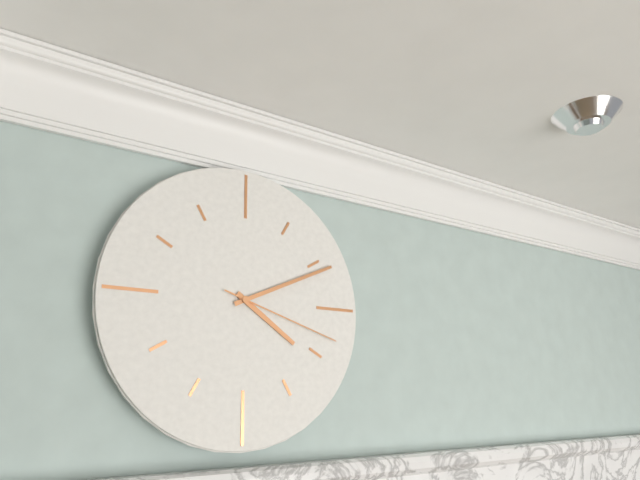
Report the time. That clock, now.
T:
4:11:18
